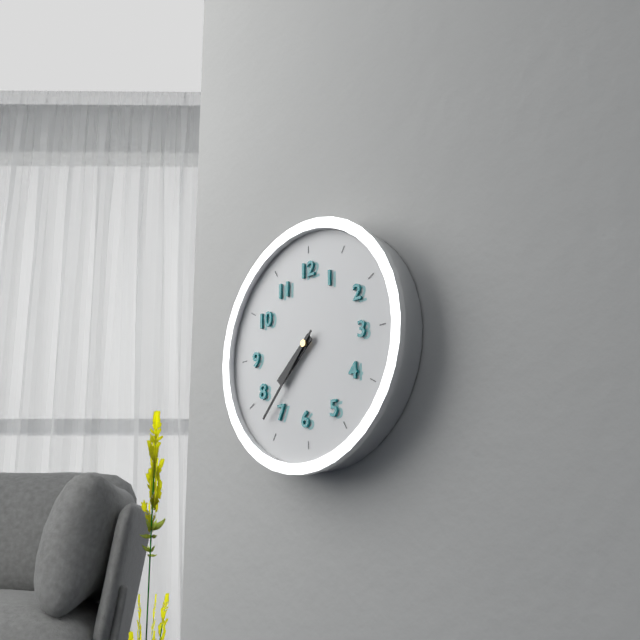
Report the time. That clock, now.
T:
7:37
